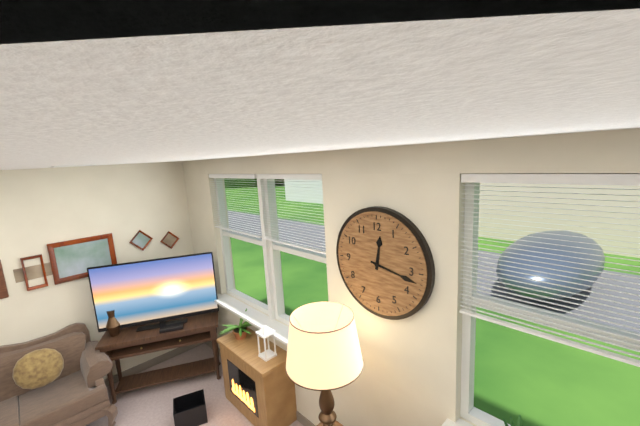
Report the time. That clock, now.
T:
12:17
